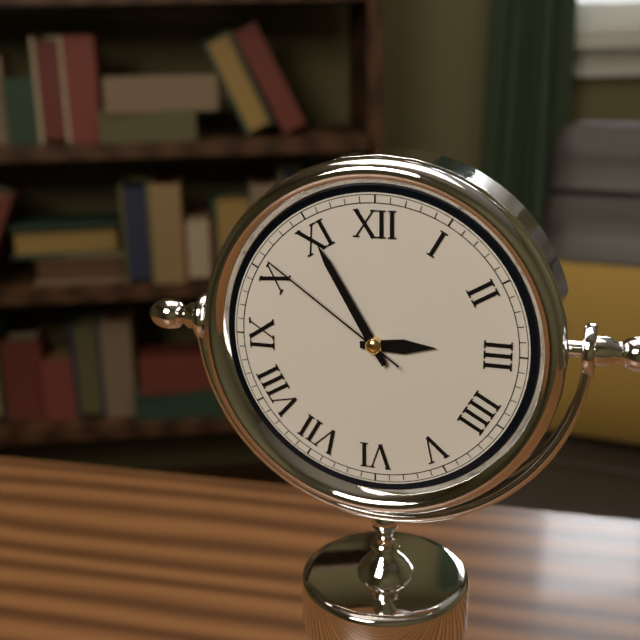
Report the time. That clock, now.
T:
2:55:51
